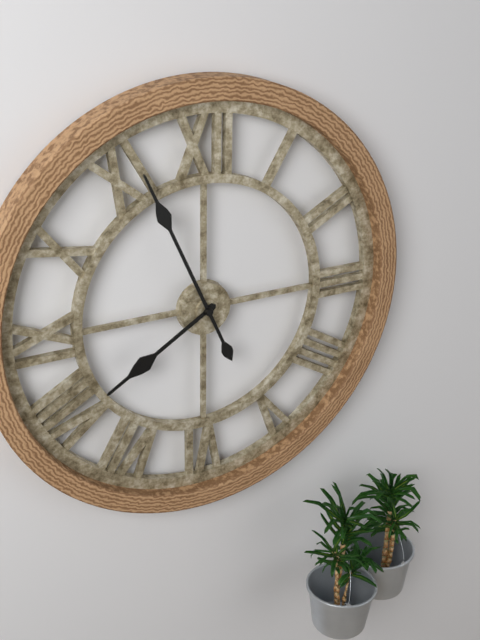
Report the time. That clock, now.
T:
7:56
